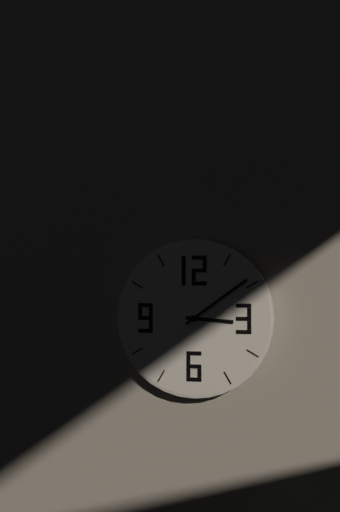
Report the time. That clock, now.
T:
3:09
